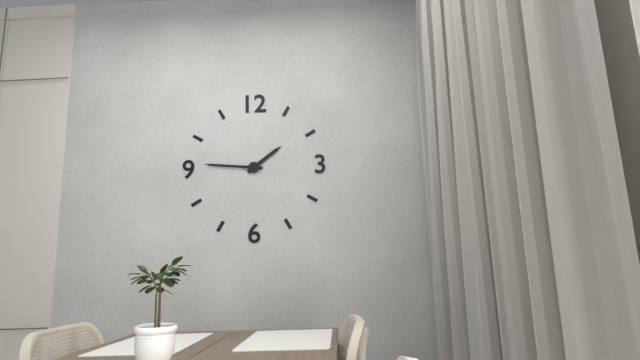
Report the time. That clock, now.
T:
1:46
